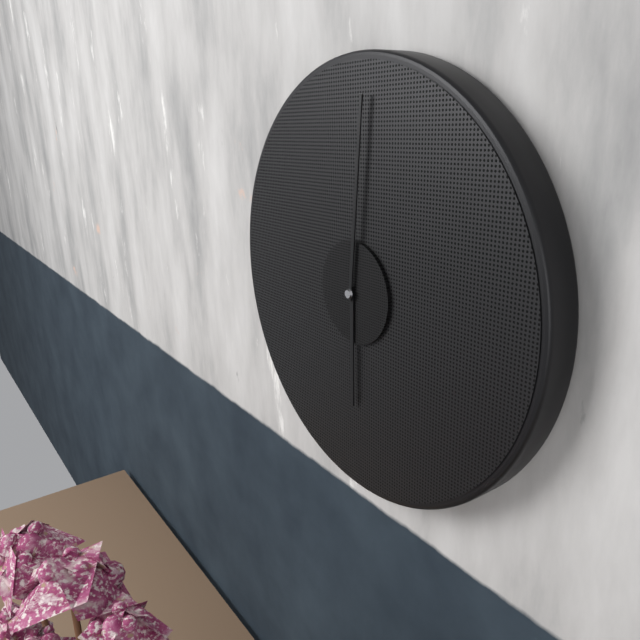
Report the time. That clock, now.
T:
6:01
